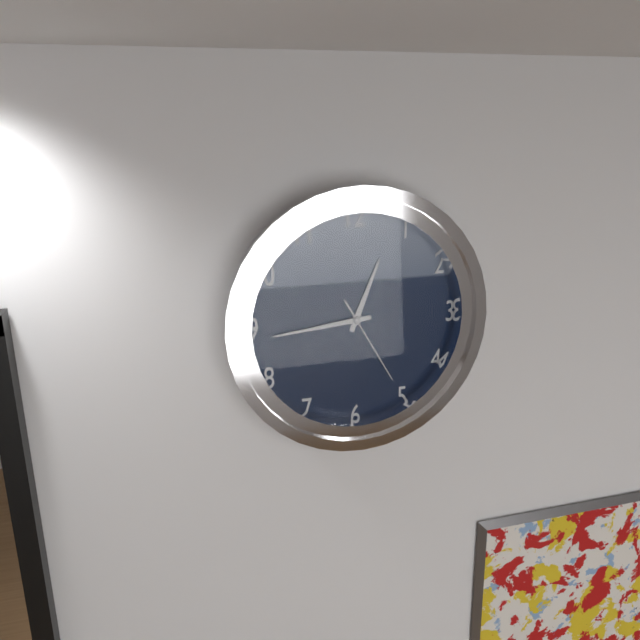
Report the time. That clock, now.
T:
12:44:25
